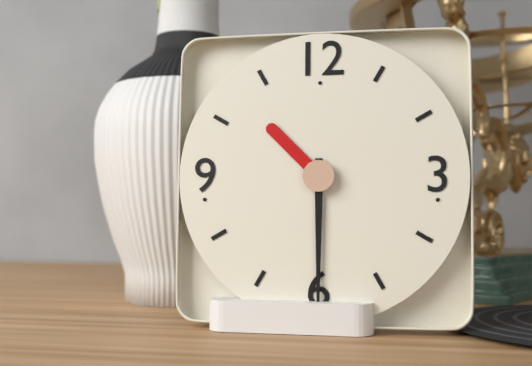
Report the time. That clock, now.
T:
10:30
